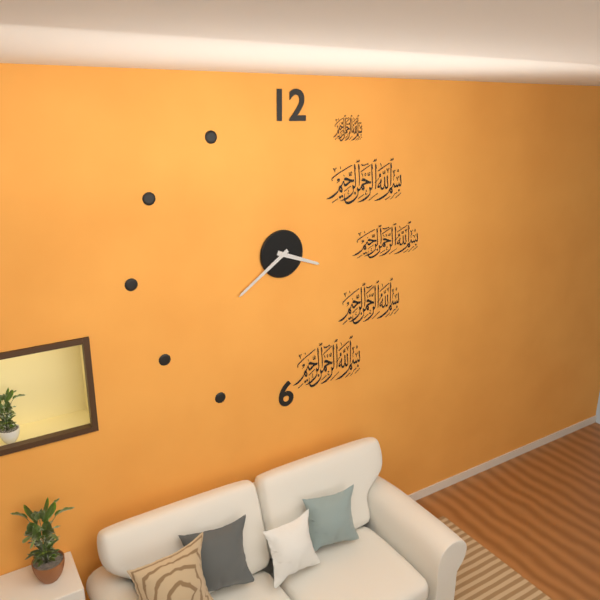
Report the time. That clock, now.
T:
3:39
